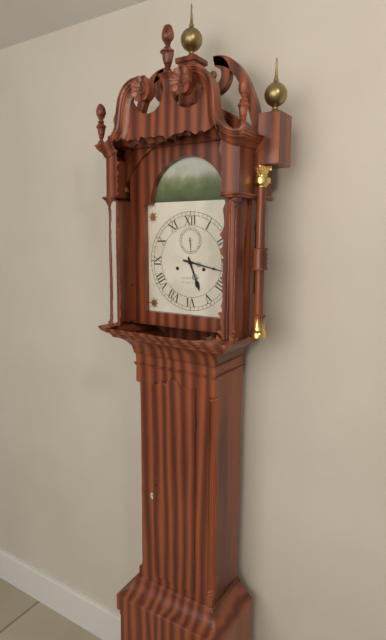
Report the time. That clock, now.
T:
5:17
